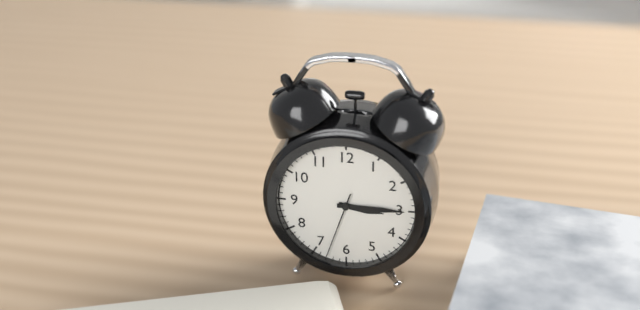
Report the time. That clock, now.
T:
3:15:33
